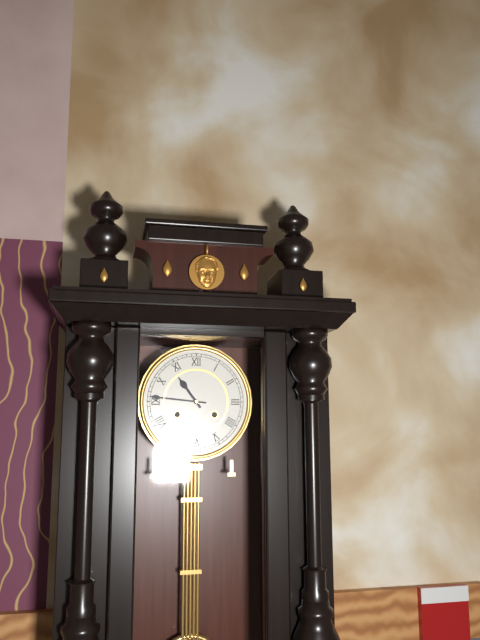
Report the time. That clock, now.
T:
10:46
